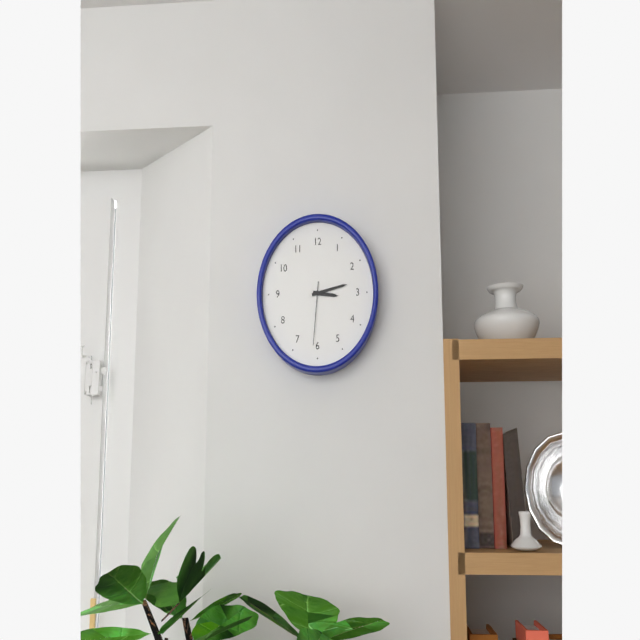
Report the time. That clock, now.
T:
3:13:31
